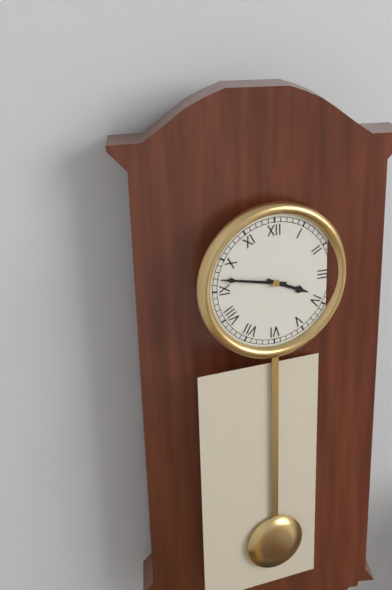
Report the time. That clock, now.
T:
3:47
